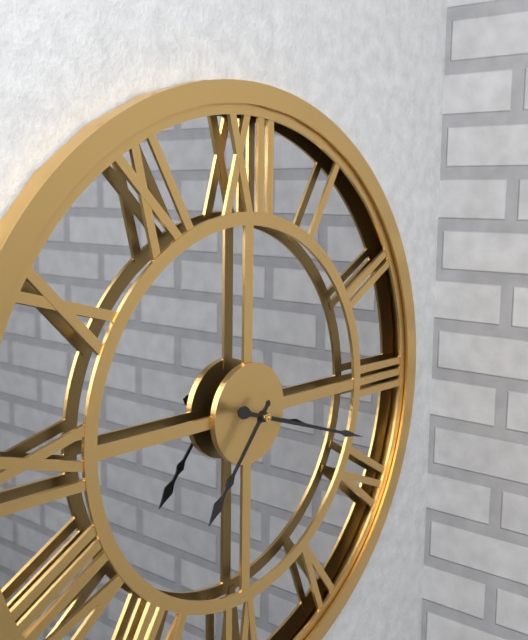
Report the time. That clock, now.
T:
7:18
